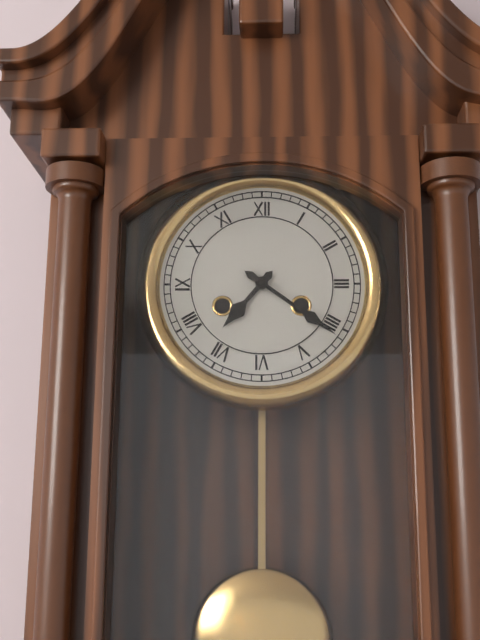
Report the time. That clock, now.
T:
7:21
